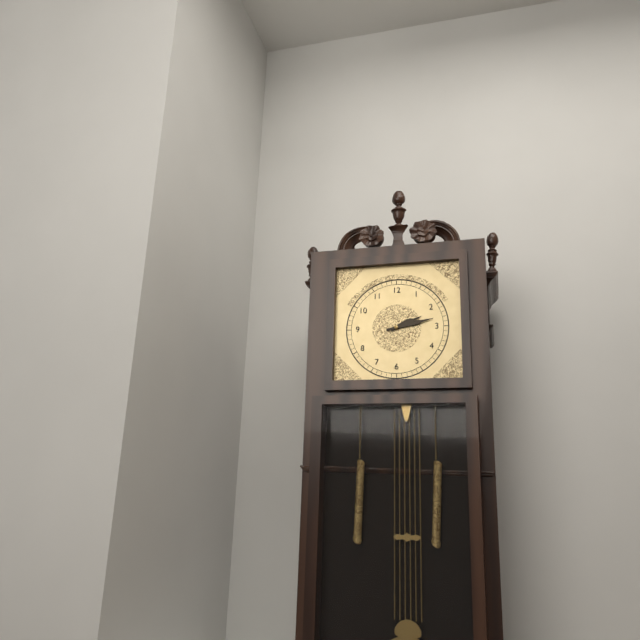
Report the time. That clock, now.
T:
2:13
